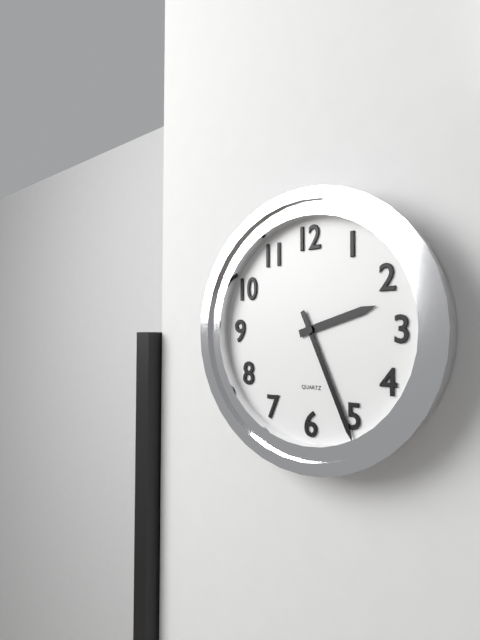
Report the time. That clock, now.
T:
2:26
